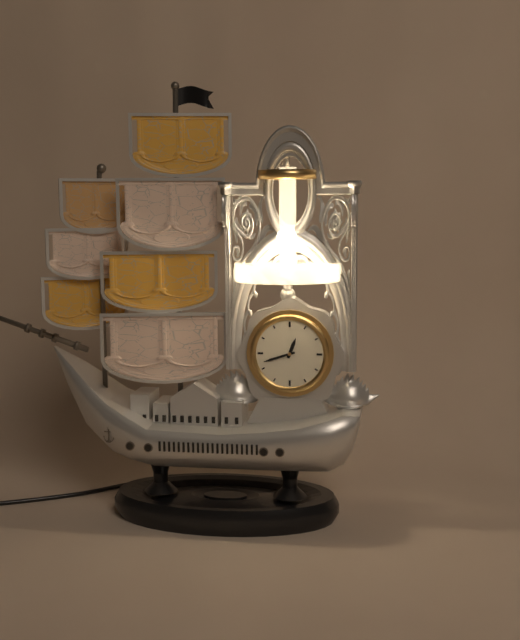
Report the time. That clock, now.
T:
12:42
